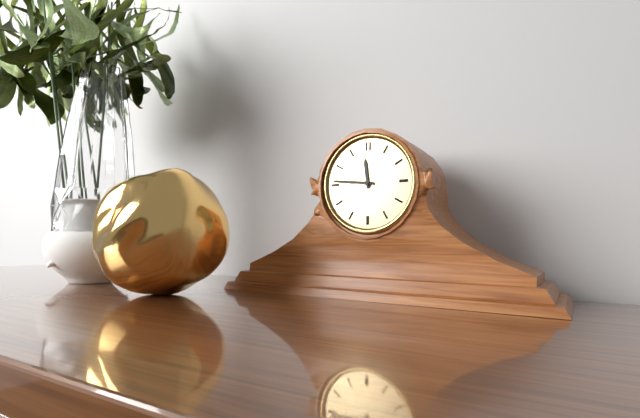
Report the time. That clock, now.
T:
11:46
